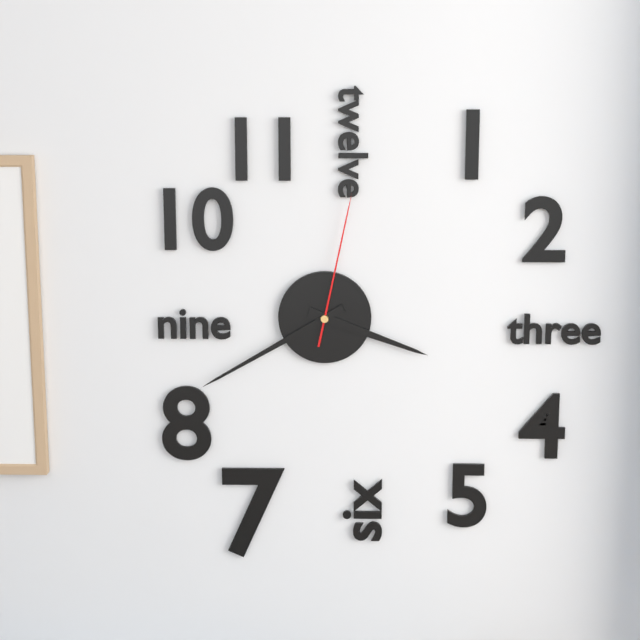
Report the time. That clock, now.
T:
3:40:02
